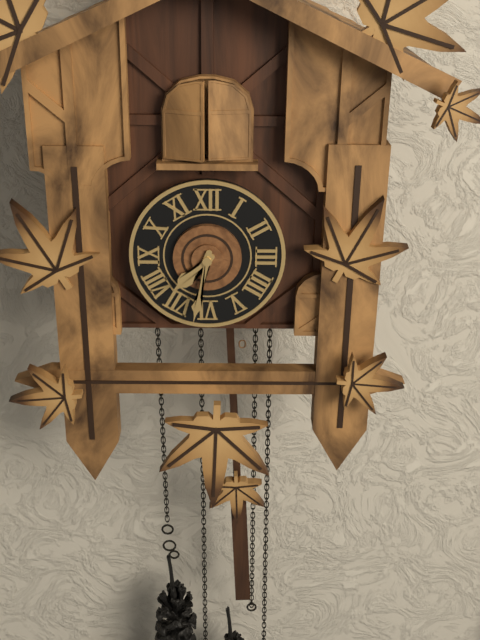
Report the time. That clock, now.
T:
7:32
